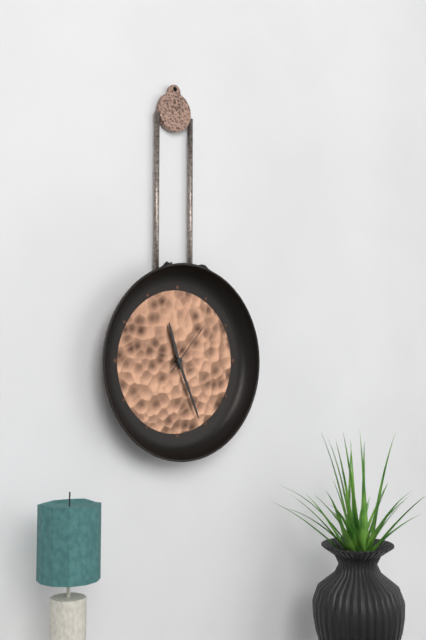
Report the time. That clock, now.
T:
11:26:07
